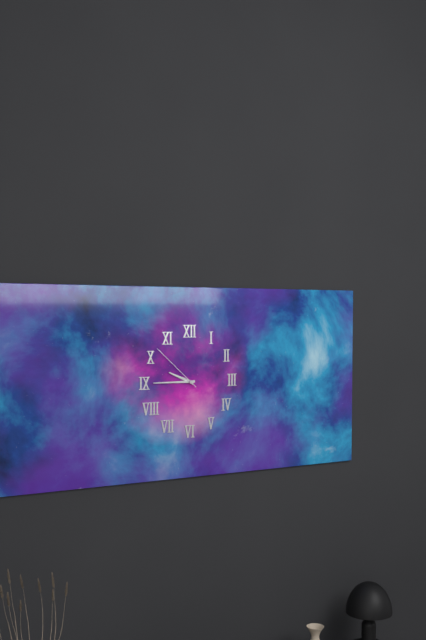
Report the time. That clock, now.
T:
9:45:52
